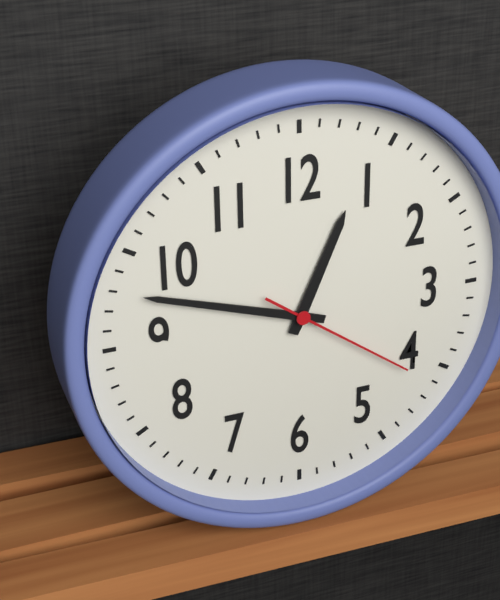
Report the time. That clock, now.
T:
12:48:21
